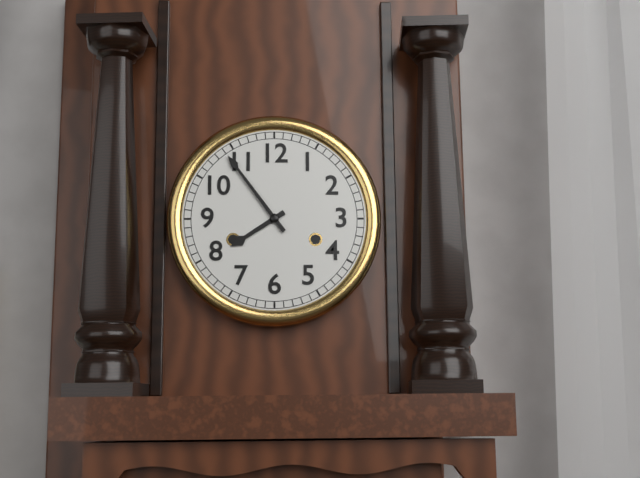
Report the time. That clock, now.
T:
7:54
